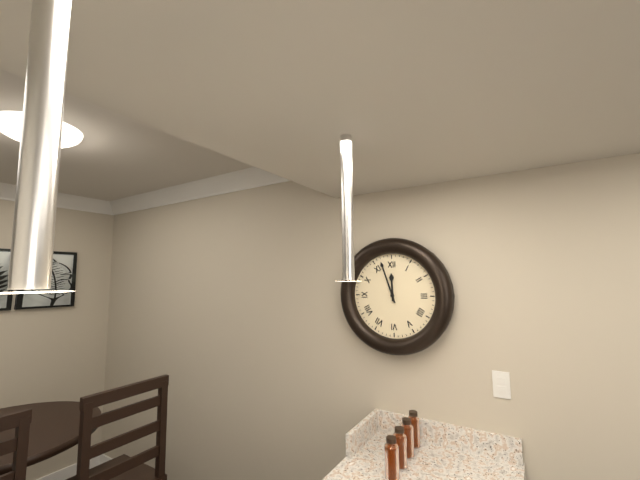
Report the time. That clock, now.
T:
11:57
